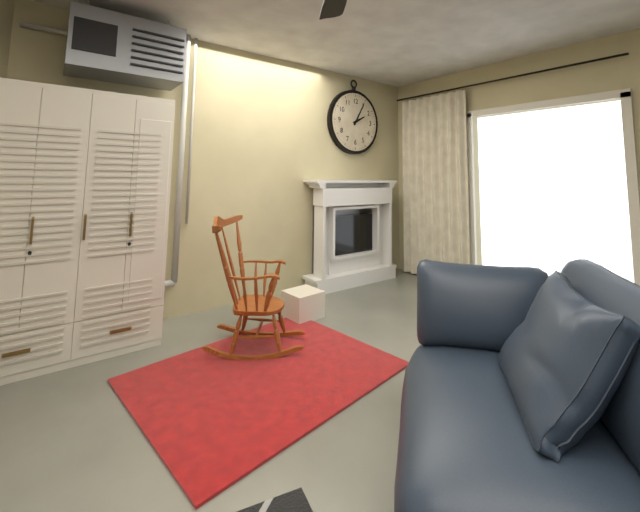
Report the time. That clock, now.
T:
2:05
